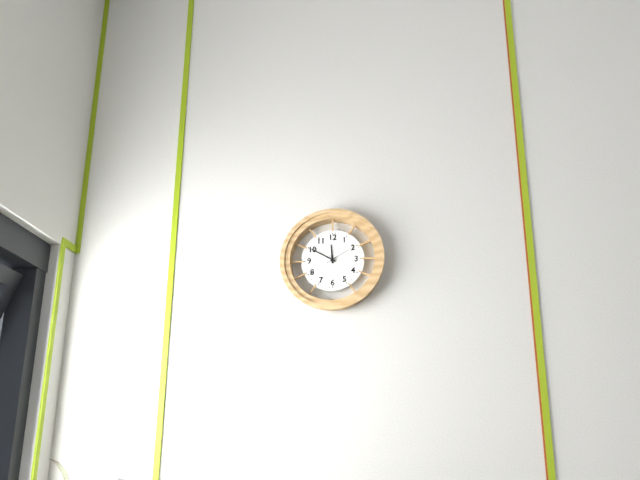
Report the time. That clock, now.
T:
11:50
